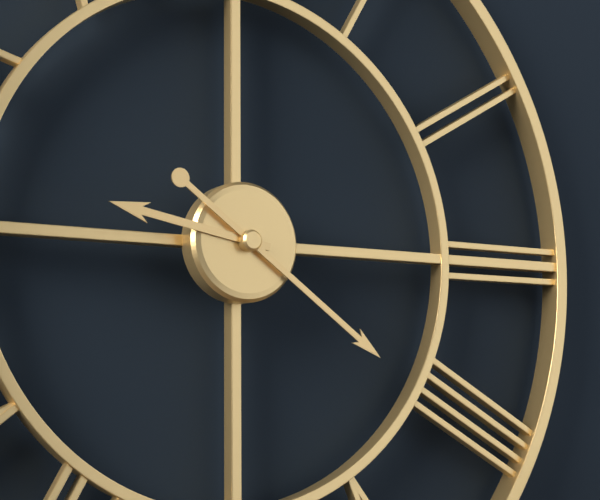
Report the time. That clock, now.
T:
9:21
